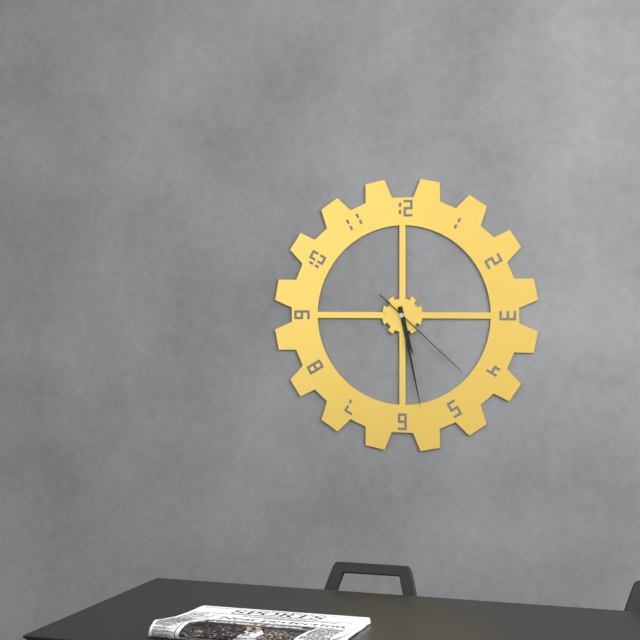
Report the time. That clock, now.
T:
5:28:22
